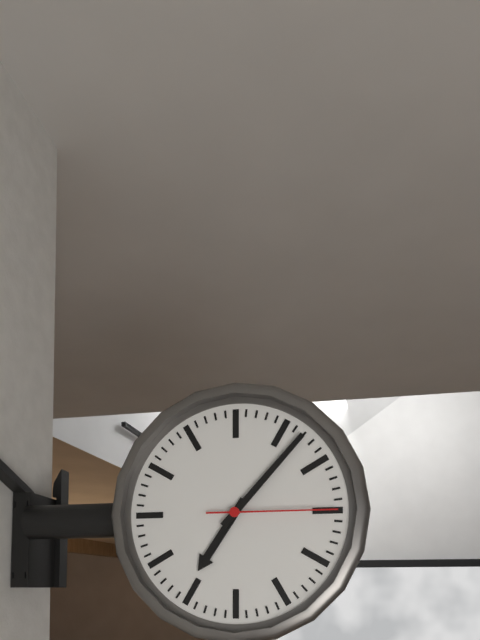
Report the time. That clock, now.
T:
7:07:15
